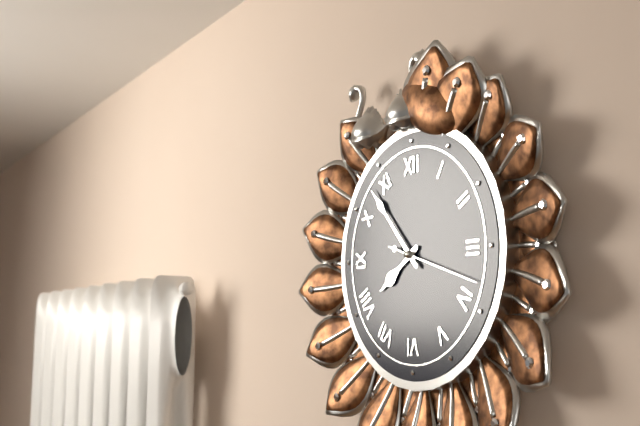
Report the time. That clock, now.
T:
7:53:18
